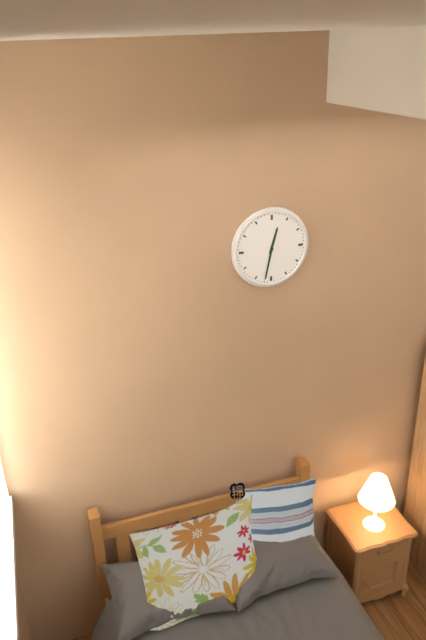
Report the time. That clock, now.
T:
12:32
